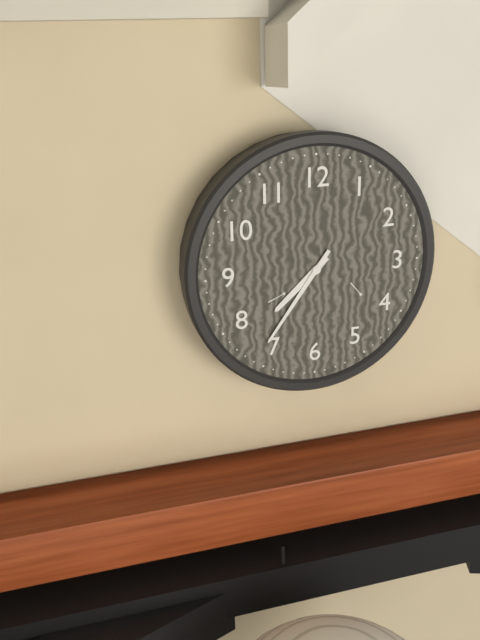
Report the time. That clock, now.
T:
7:36
